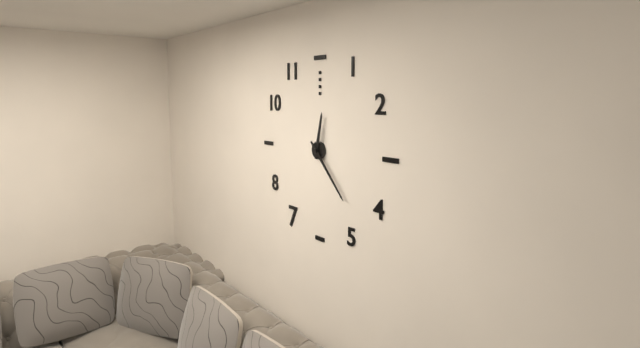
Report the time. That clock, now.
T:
12:23
